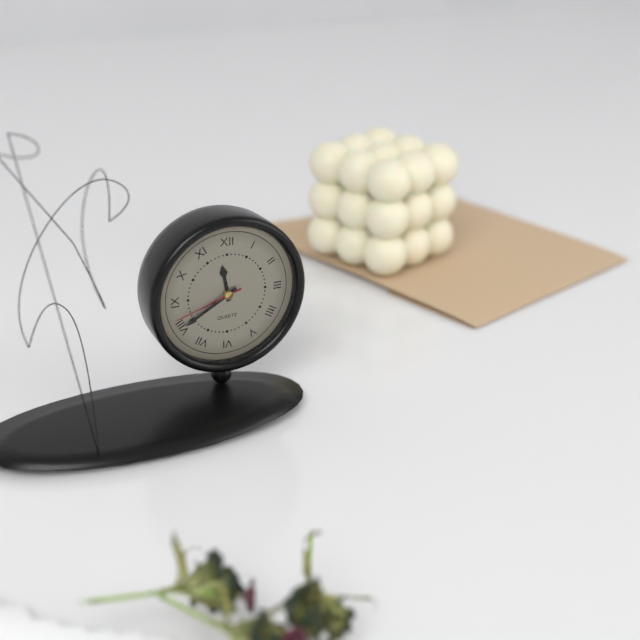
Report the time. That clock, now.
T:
11:40:42
